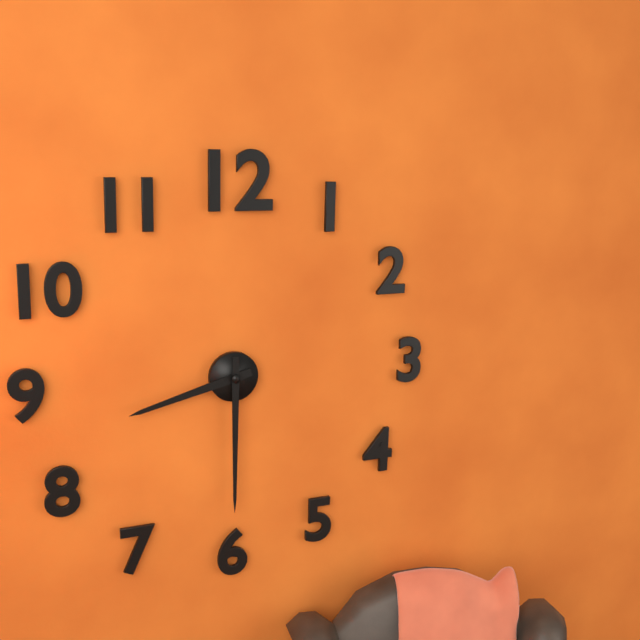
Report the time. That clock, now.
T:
8:30
